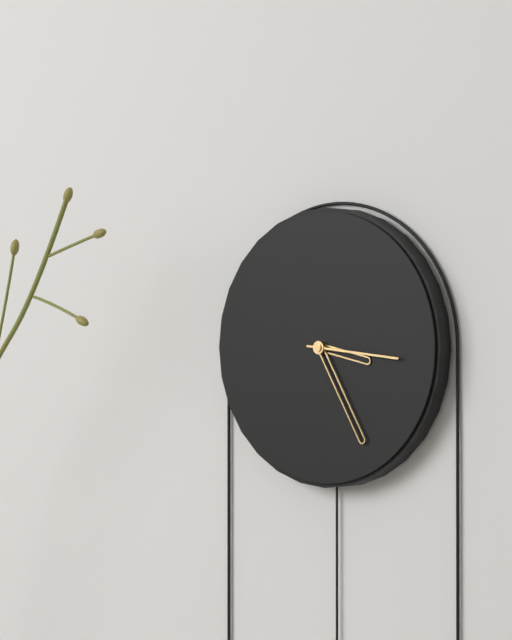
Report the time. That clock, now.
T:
3:25:16
